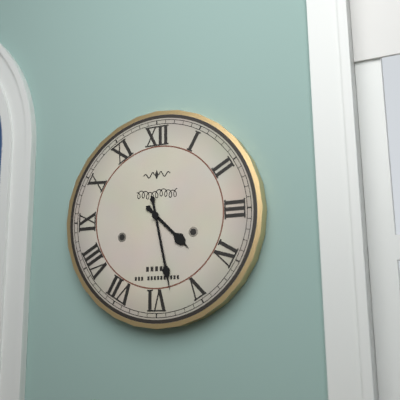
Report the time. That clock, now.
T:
4:28
